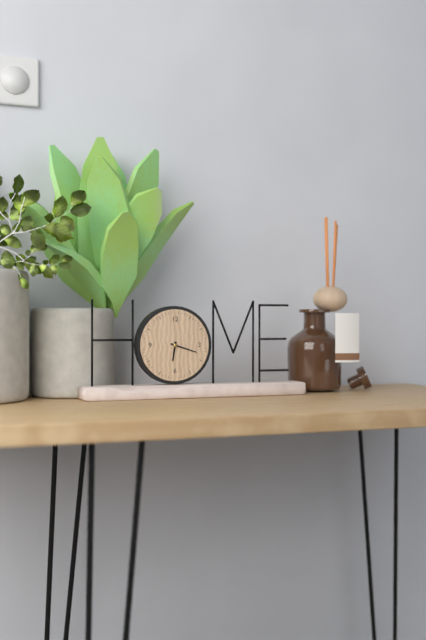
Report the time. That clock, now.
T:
6:18
